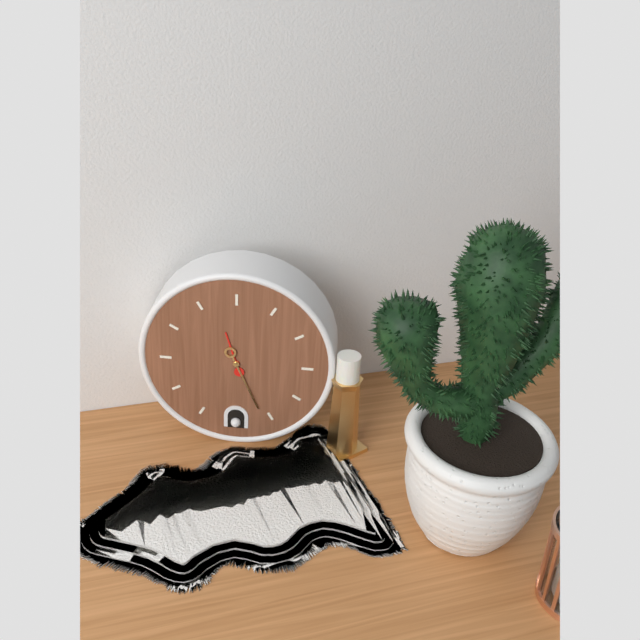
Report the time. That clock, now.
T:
11:26
